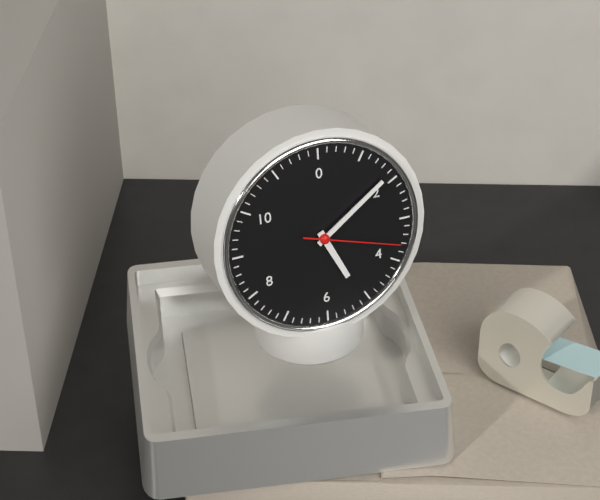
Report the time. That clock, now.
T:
5:09:18
